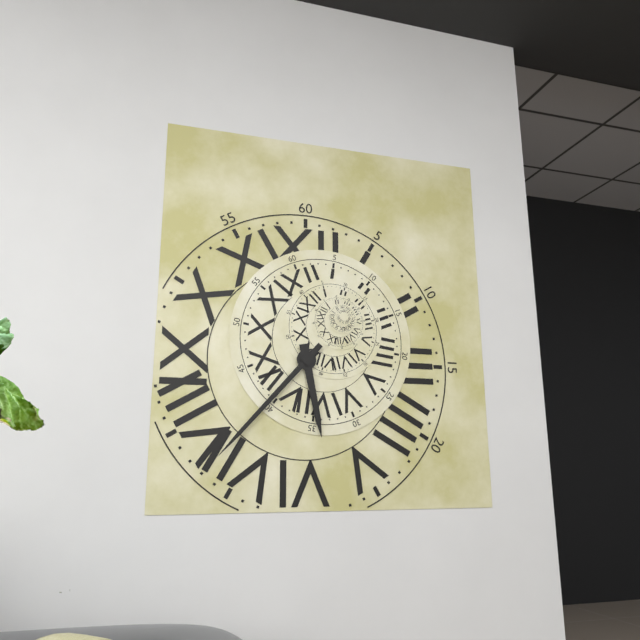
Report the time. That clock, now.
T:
5:37
